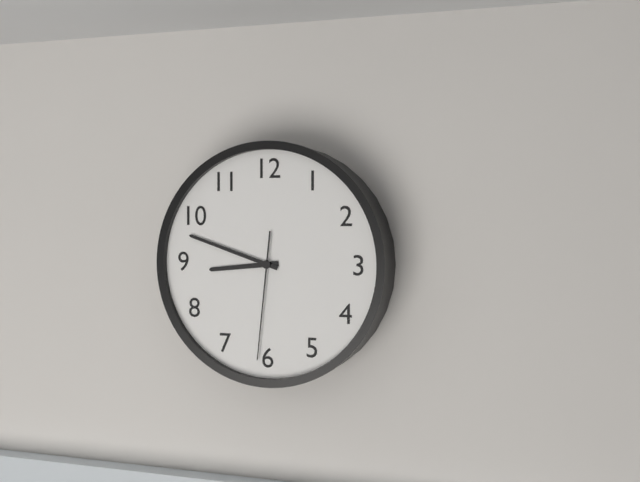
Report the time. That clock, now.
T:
8:48:31
